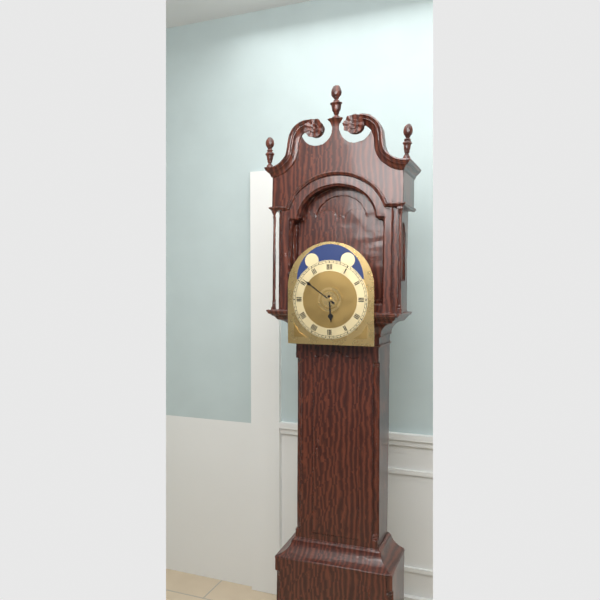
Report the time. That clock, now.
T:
5:51
